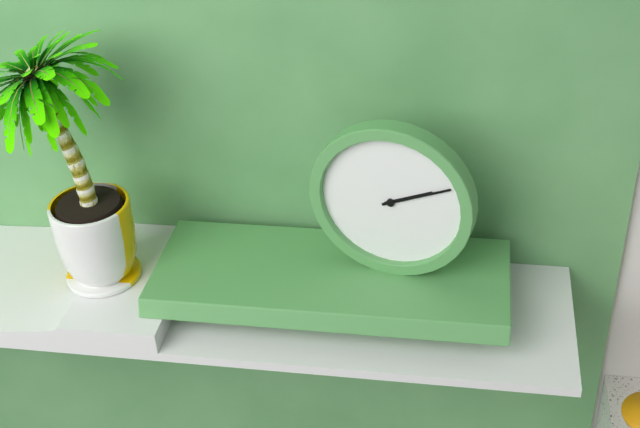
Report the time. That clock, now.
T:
2:11
